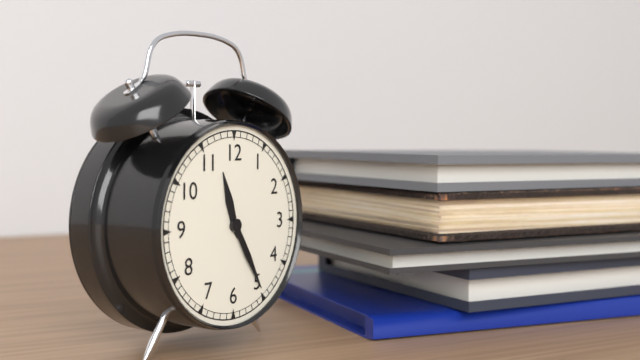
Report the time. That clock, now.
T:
11:25
